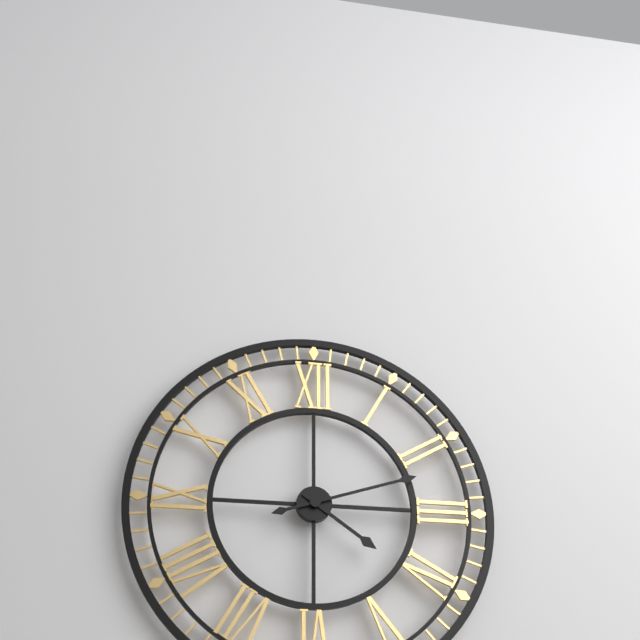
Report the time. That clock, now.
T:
4:12
